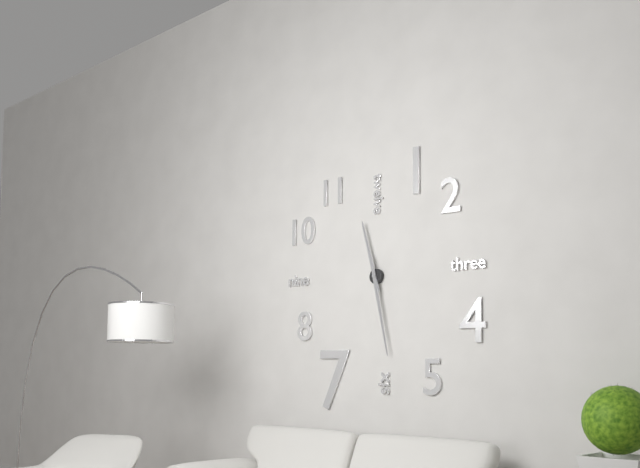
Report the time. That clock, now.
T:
11:28
